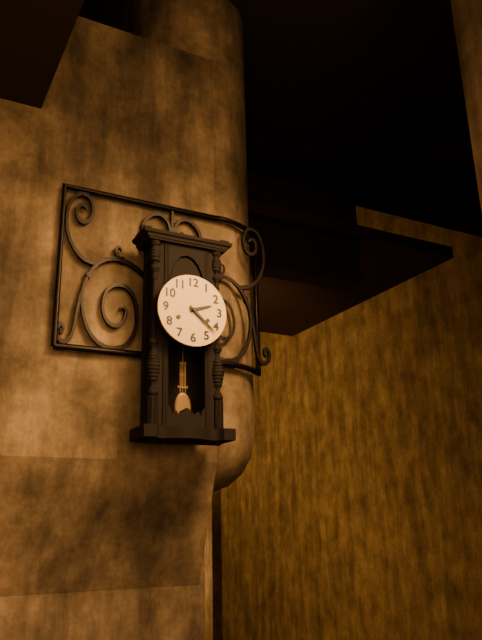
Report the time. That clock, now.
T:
2:22
